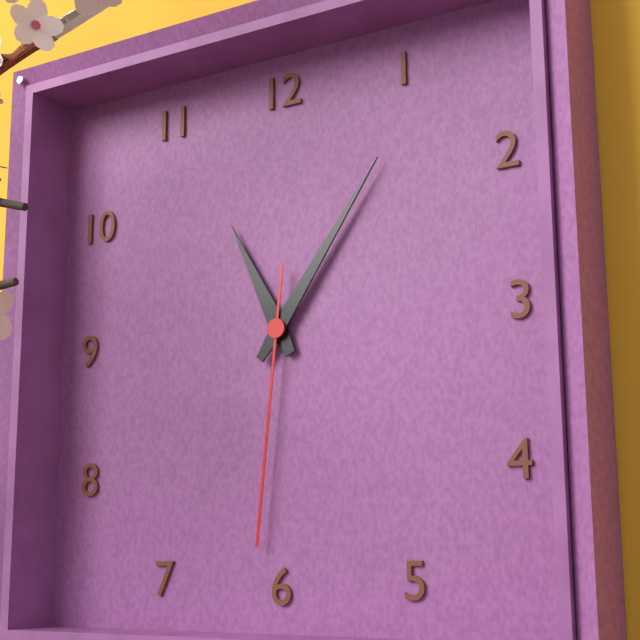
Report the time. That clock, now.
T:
11:06:31
